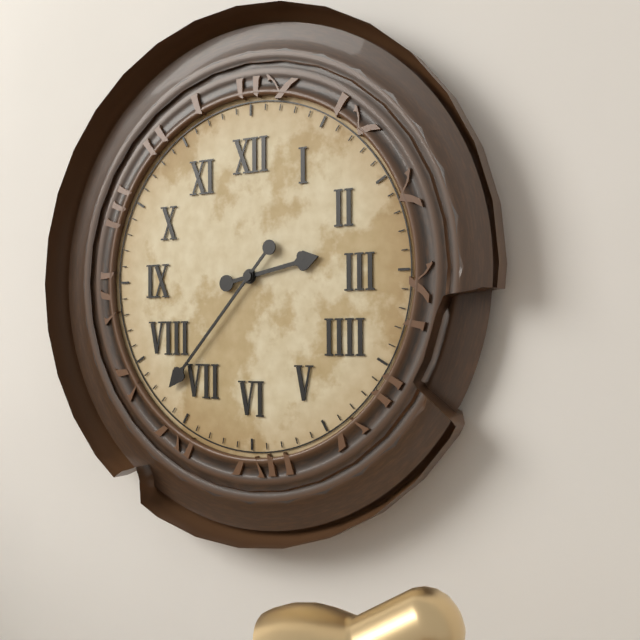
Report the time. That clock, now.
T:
2:37
